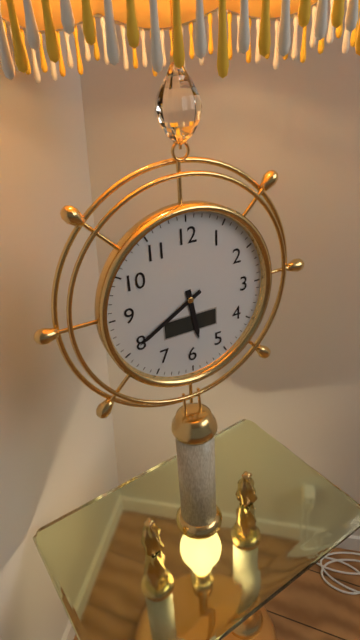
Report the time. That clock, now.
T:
5:40
